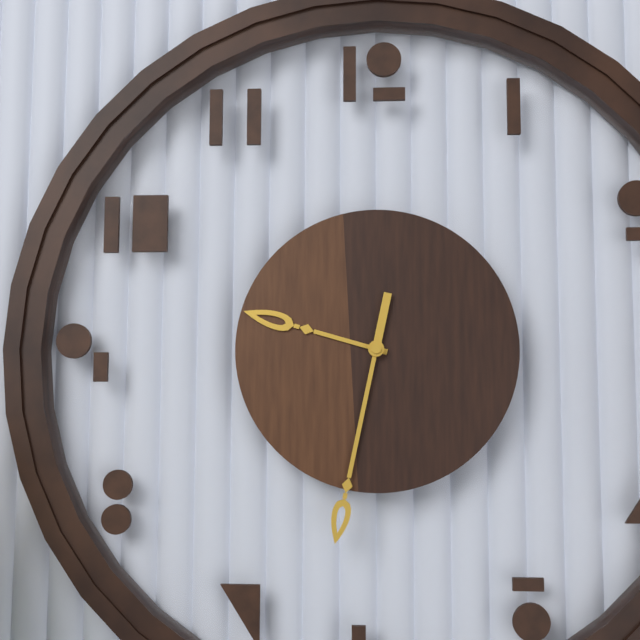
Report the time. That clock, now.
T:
9:32
